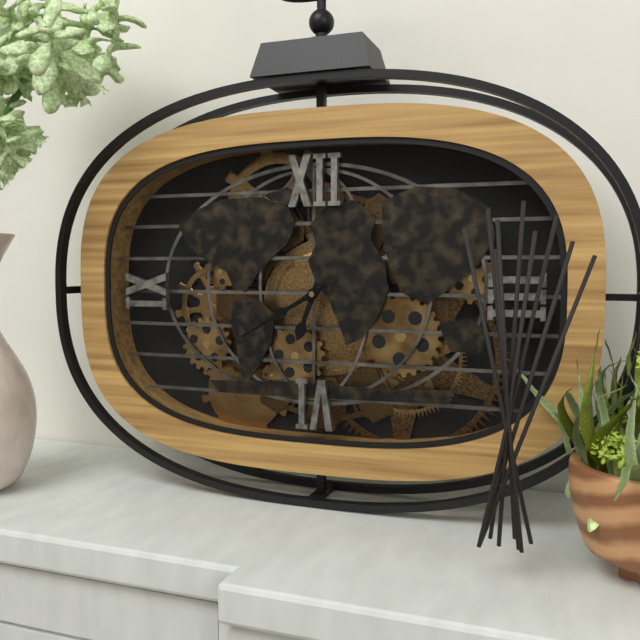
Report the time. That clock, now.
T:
6:40
